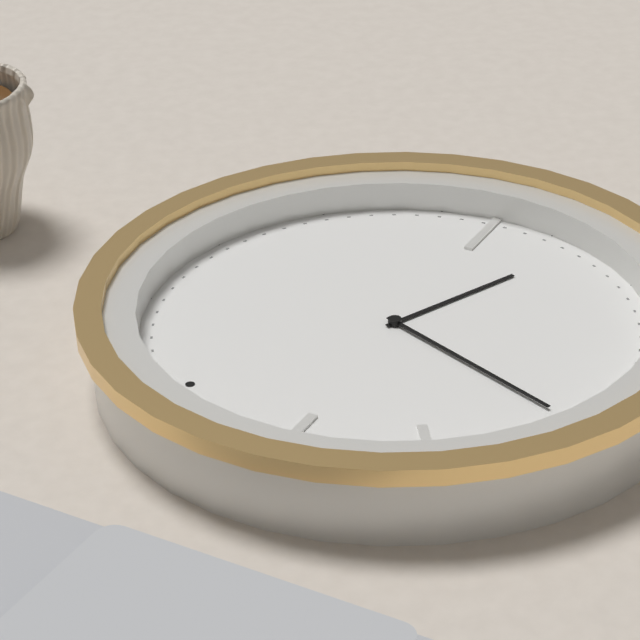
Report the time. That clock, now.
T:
5:43
